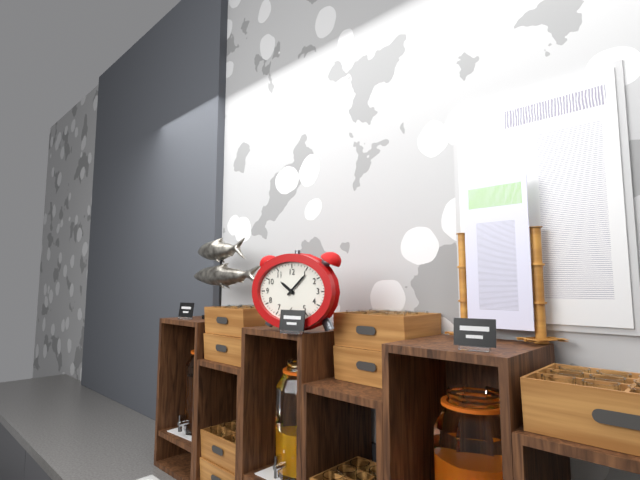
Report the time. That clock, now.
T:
10:08
